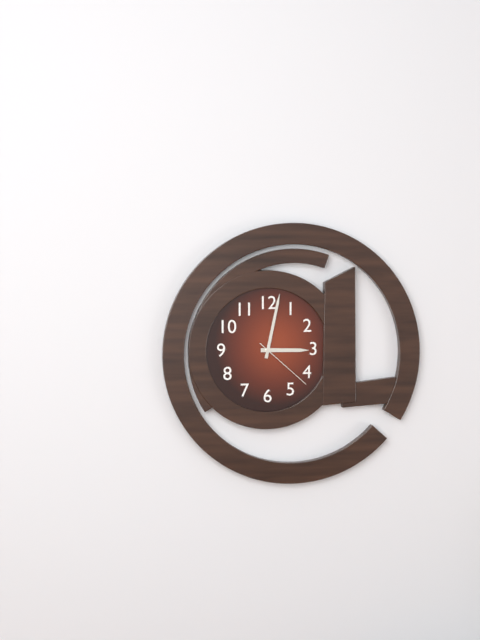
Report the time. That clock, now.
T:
3:02:22
